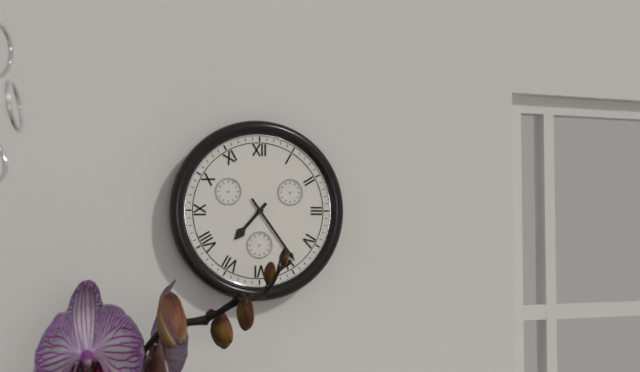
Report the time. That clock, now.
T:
7:24
